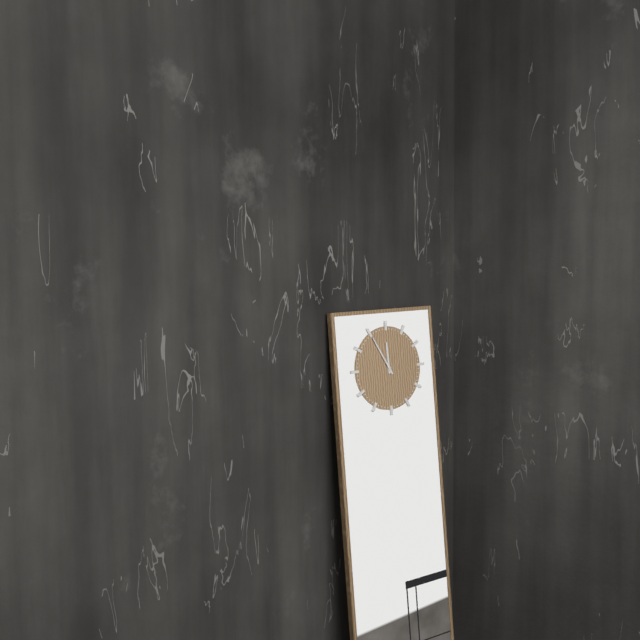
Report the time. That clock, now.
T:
11:55
